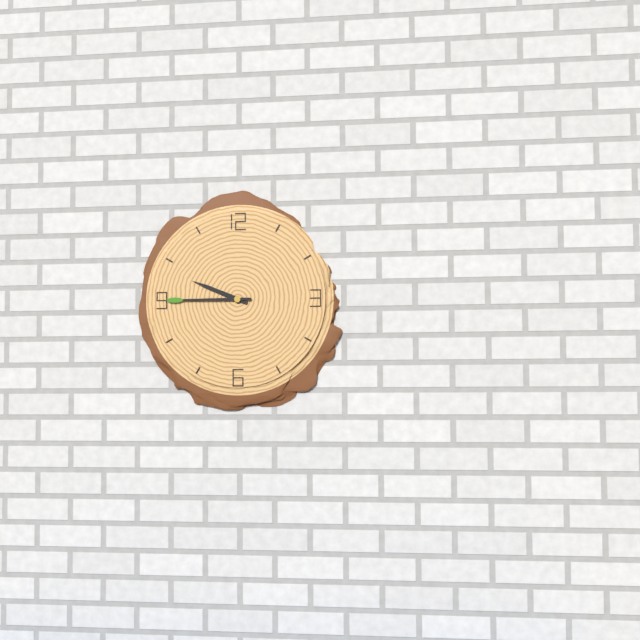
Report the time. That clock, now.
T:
9:45
